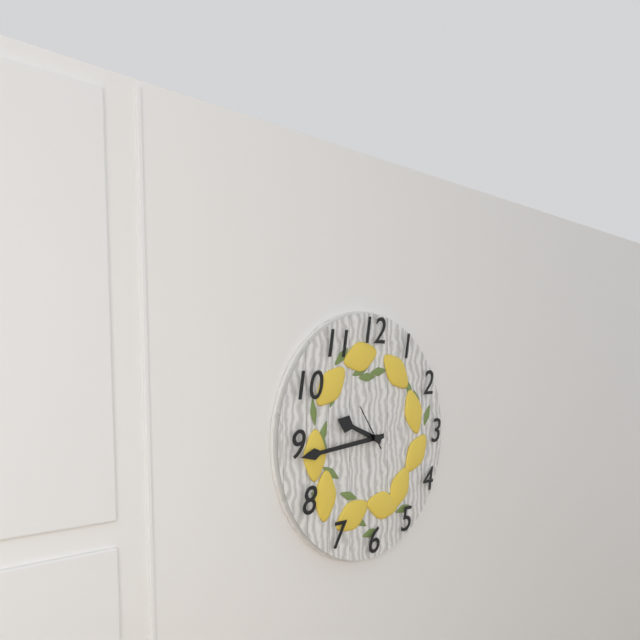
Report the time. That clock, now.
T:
9:44
